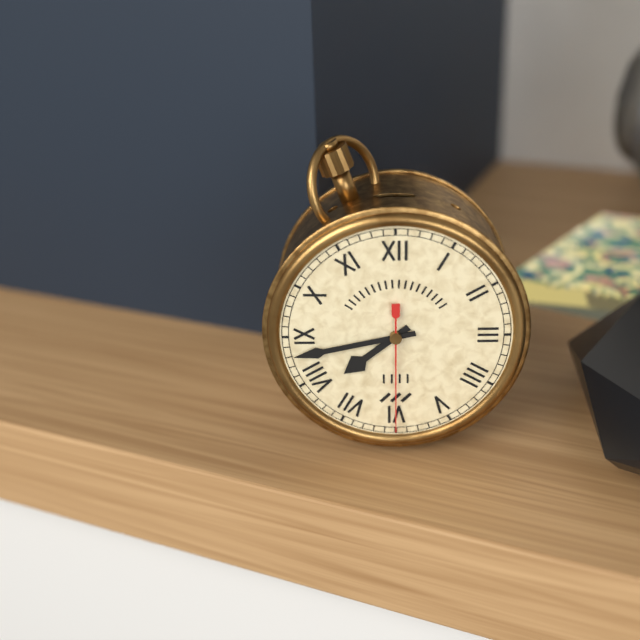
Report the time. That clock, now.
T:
7:43:30
